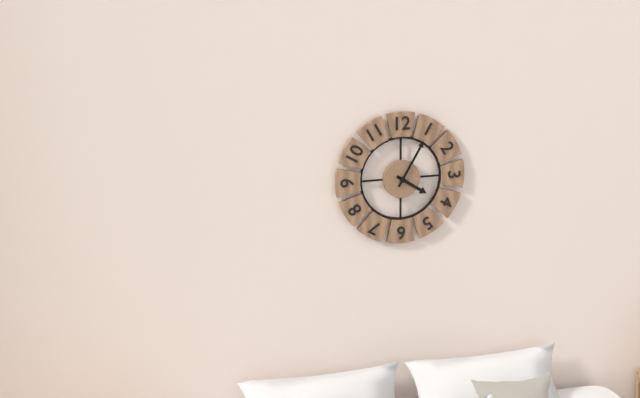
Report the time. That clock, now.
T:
4:05
